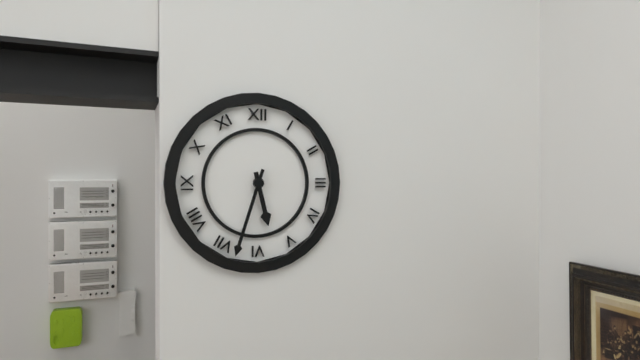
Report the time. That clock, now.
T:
5:33
